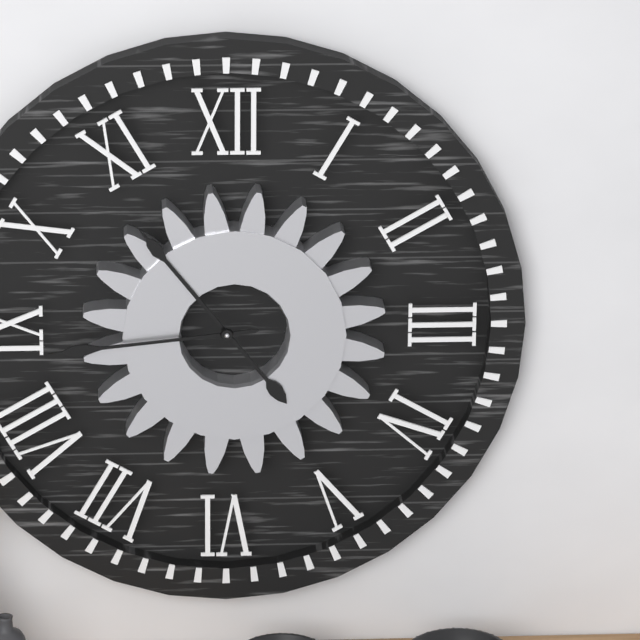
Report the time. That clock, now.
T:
10:44
